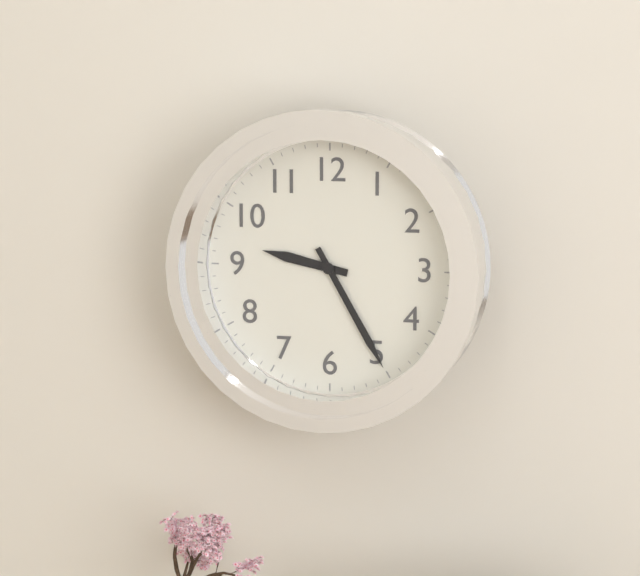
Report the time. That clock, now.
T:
9:25
